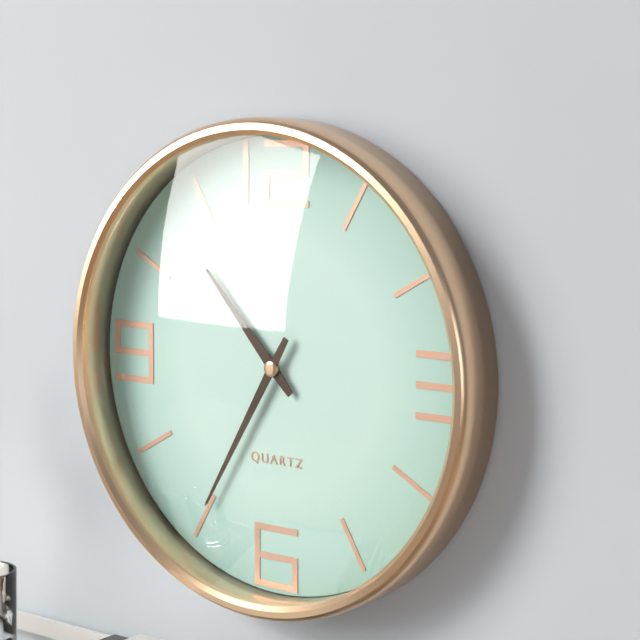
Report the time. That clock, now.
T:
10:35
